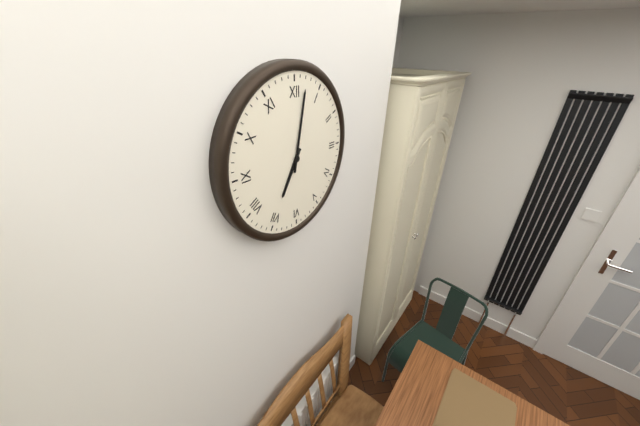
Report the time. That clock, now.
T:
7:02
